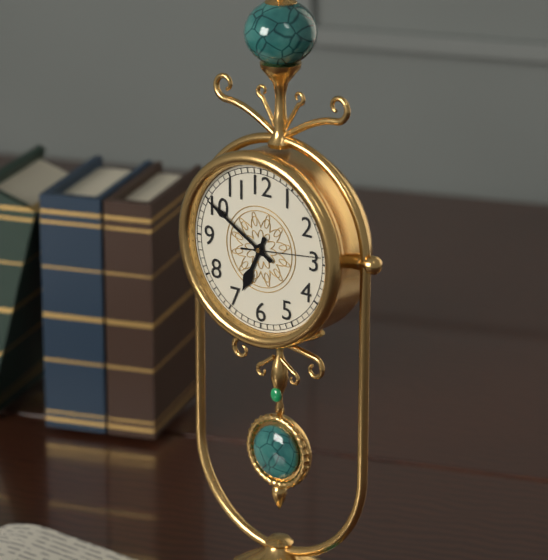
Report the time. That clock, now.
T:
6:50:14
